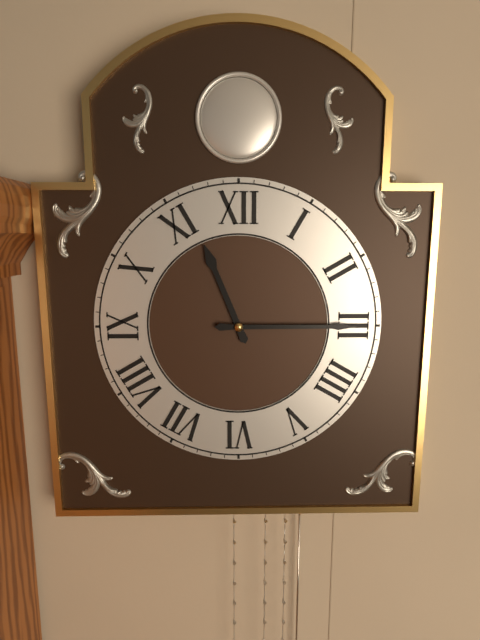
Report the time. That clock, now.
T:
11:15
